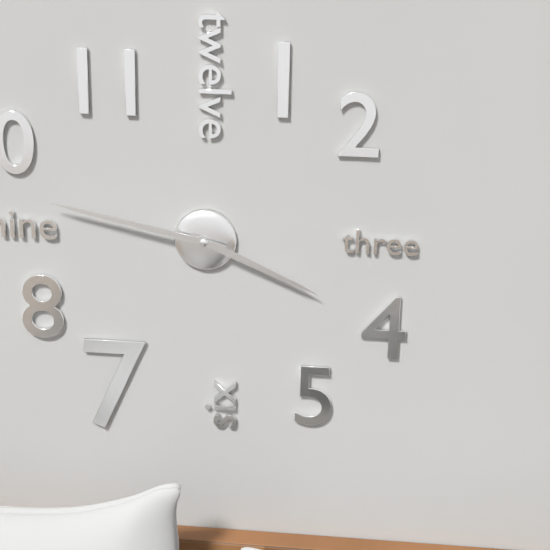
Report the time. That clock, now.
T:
3:47
